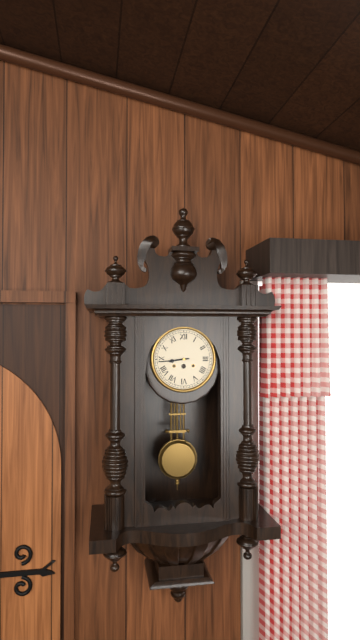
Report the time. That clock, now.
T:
8:44
